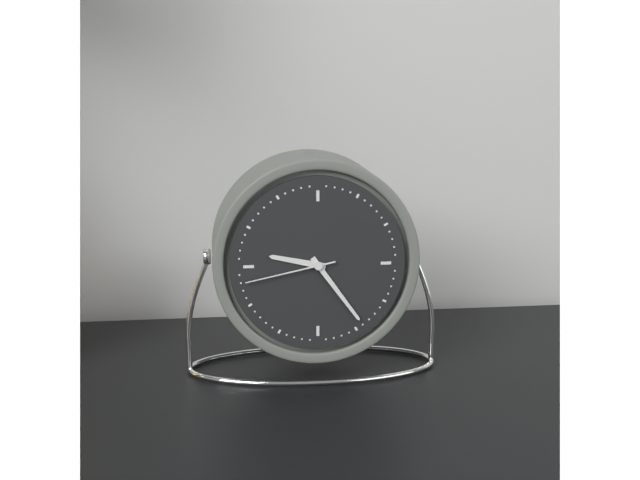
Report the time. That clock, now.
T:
9:24:43
